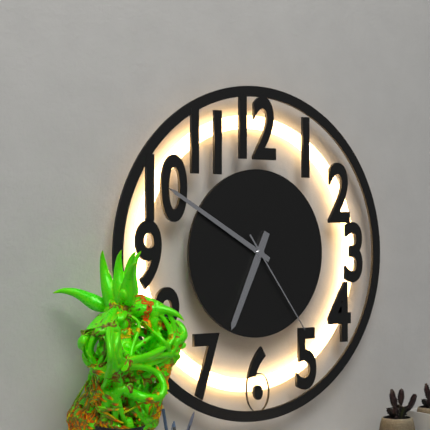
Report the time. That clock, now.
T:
6:50:24
